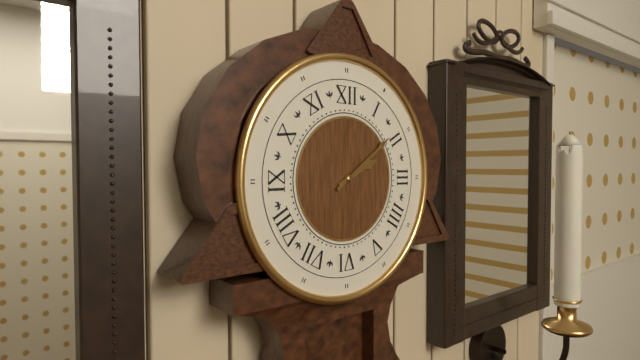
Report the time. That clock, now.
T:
2:09
